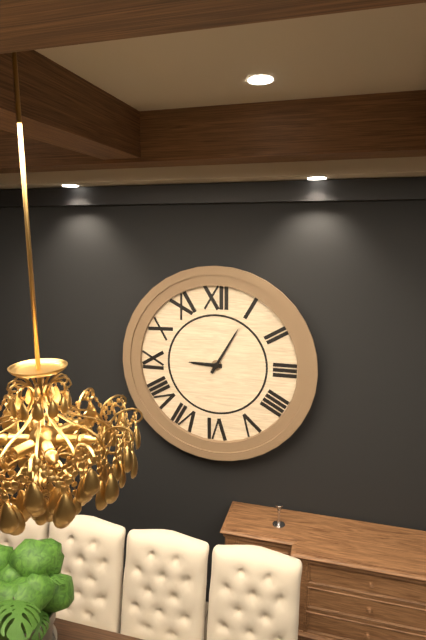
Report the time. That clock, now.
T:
9:05
